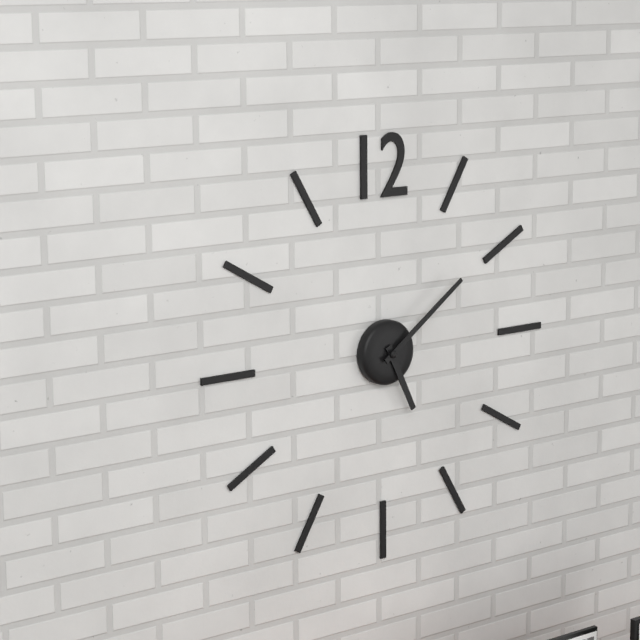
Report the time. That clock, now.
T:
5:09
